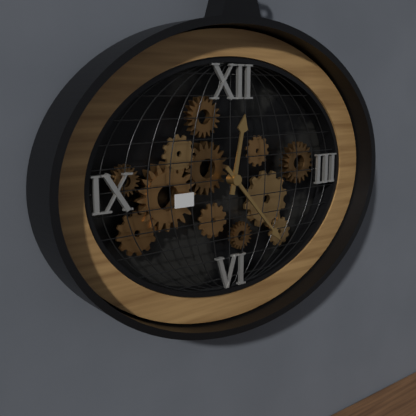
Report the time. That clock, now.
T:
12:23
